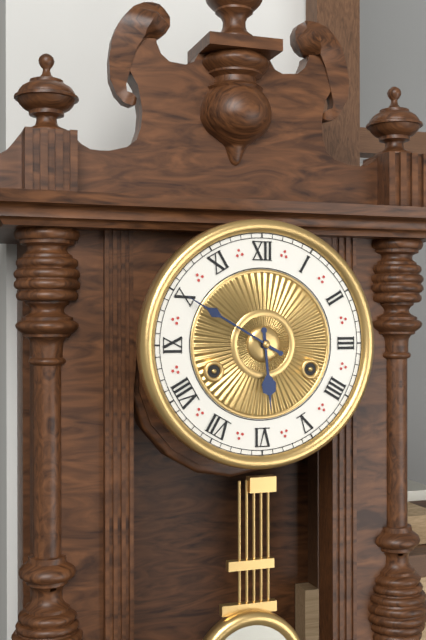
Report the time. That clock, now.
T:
5:50
